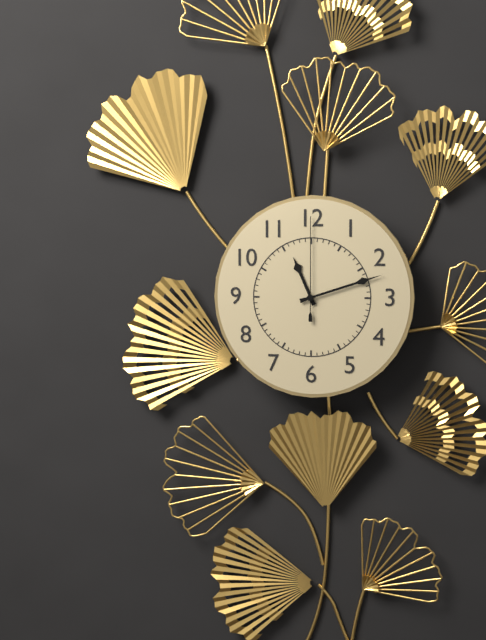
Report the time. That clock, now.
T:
11:12:00
